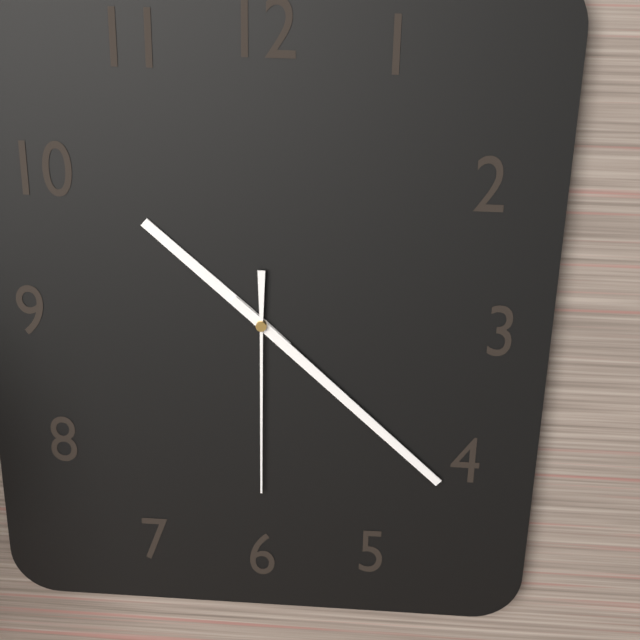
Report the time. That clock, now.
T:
10:22:30
